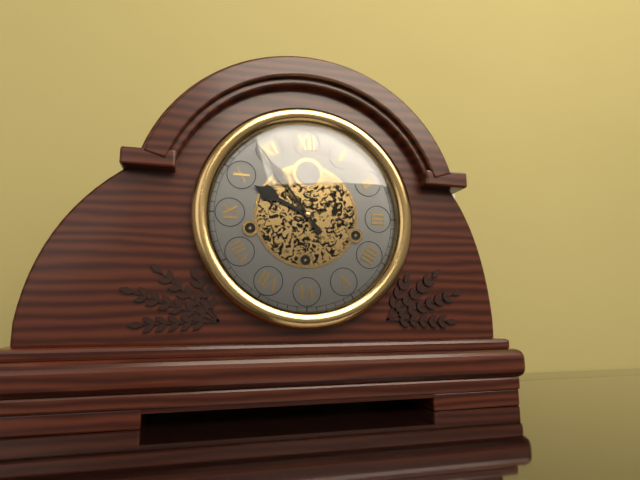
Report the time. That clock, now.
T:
9:54
